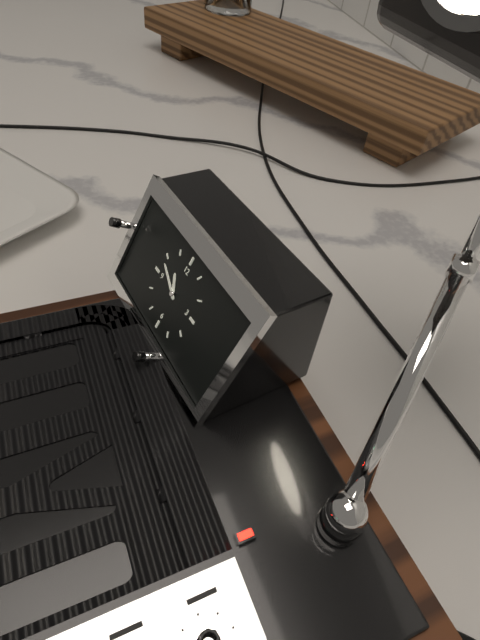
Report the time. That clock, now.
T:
10:49
